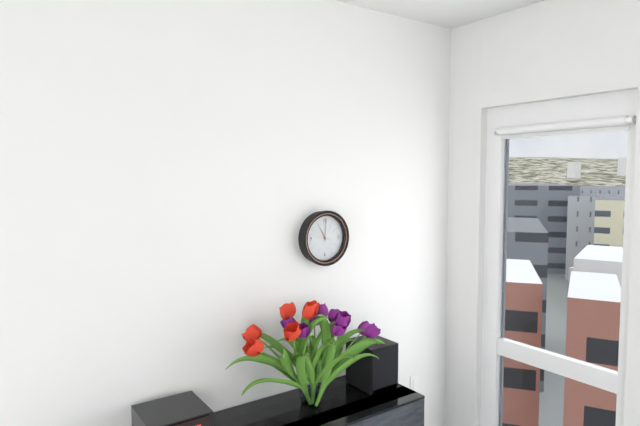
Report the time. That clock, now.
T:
11:01
